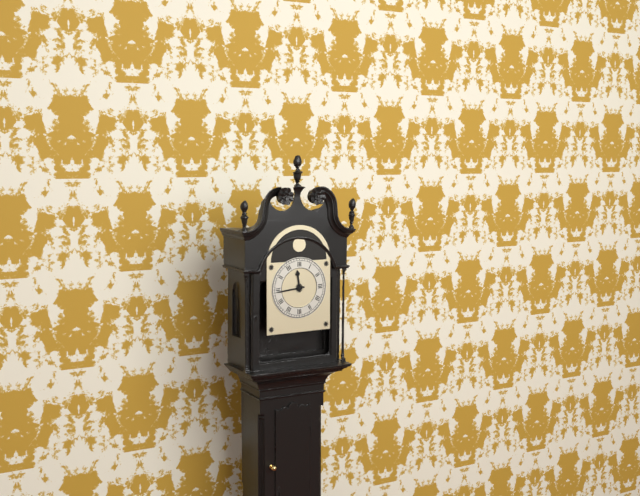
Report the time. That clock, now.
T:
11:44
